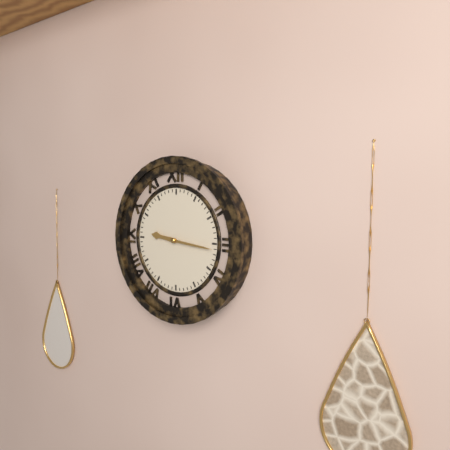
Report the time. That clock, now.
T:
9:16
